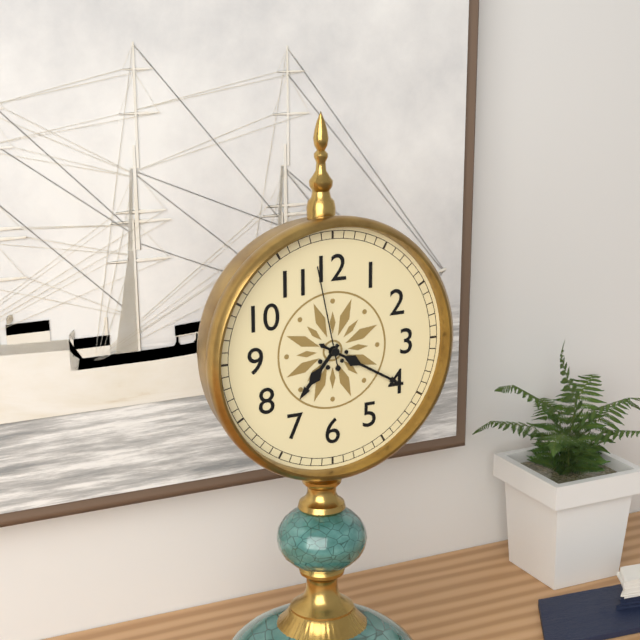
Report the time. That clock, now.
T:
7:20:58
